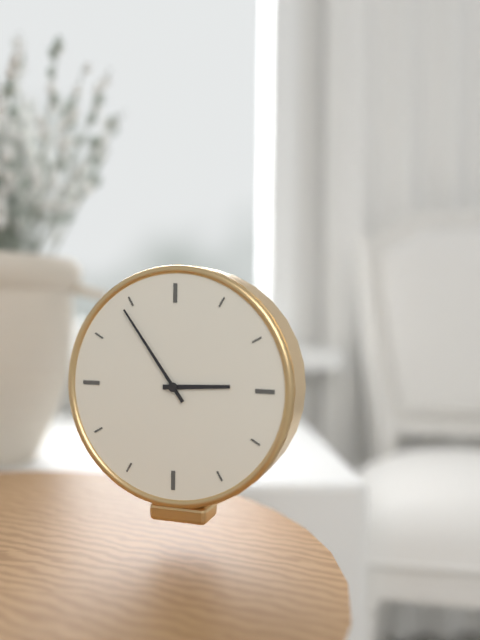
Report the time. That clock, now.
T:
2:54
